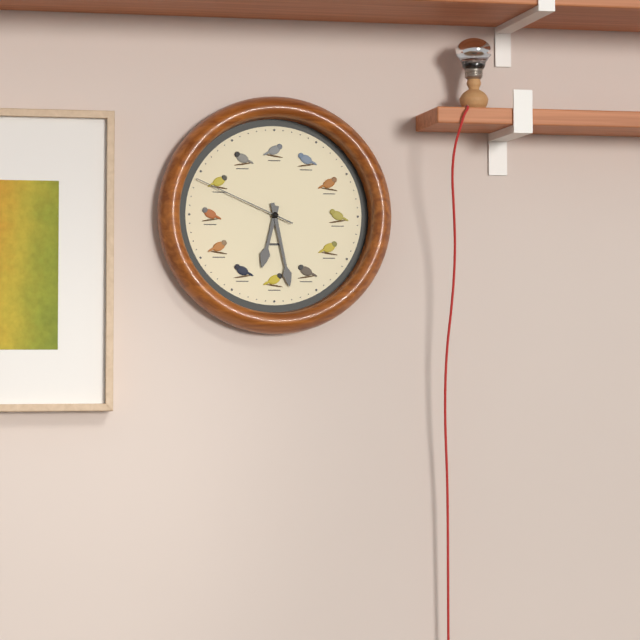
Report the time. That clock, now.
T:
6:28:49
